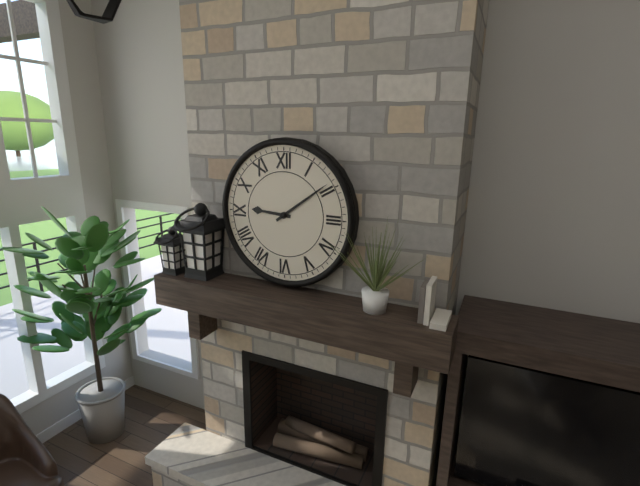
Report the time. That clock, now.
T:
9:09
